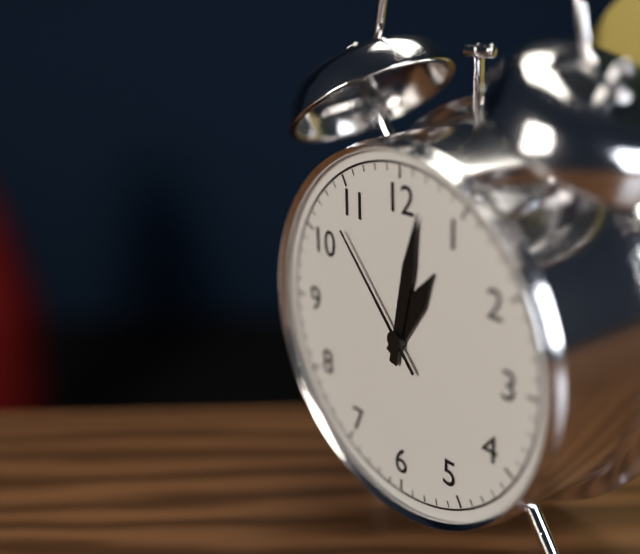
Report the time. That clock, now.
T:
1:02:53
